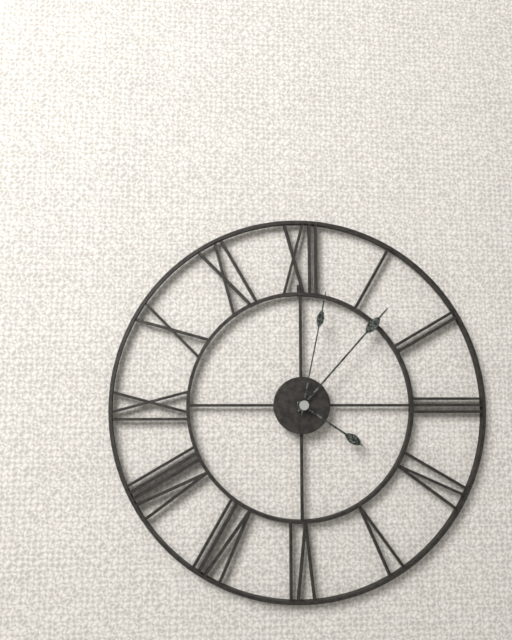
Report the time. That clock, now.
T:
4:07:02
